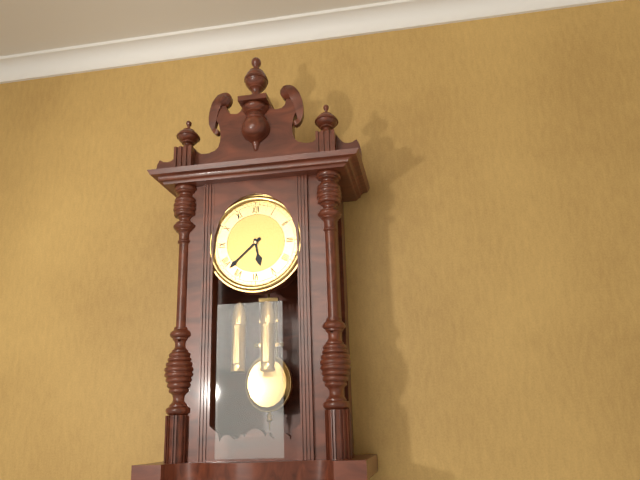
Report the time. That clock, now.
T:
5:38
